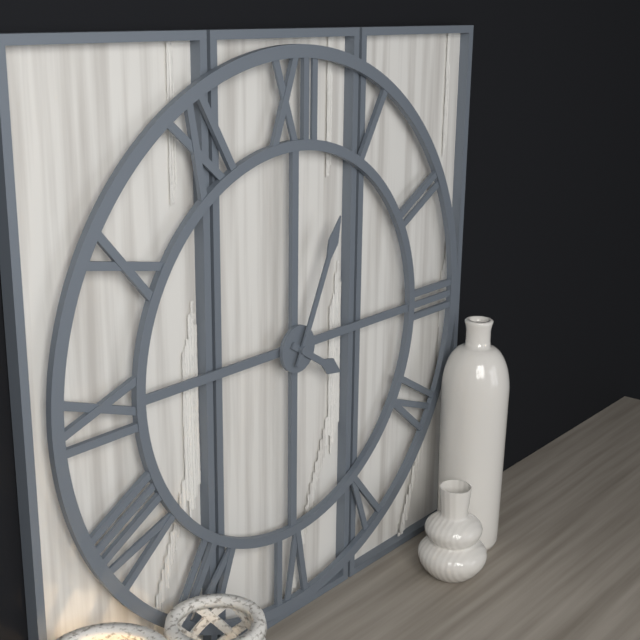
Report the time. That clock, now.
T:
4:04
